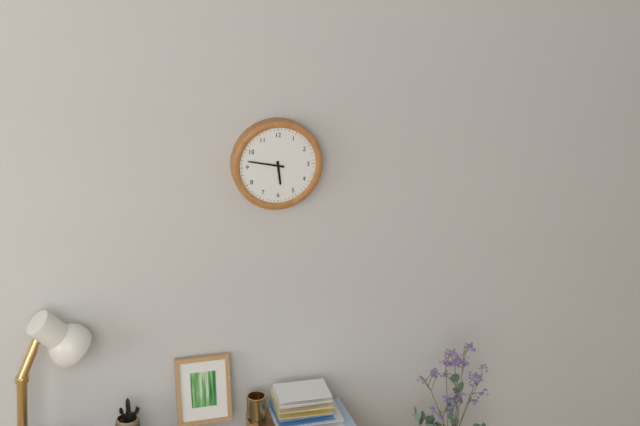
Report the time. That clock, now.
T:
5:47
